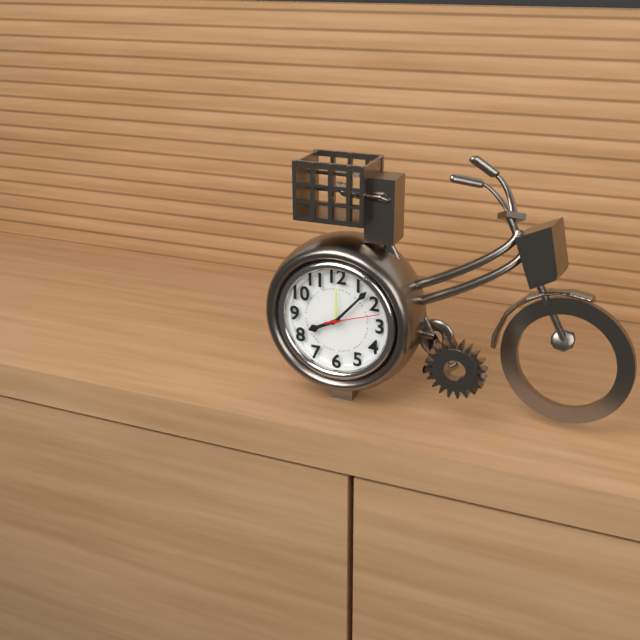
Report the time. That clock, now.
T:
8:07:12
